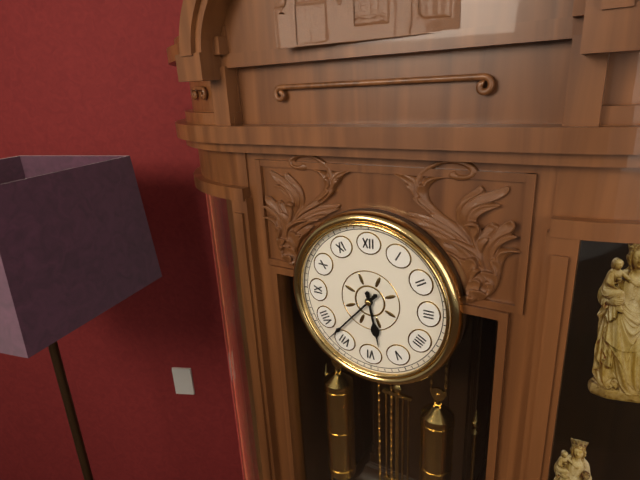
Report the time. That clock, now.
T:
5:37
